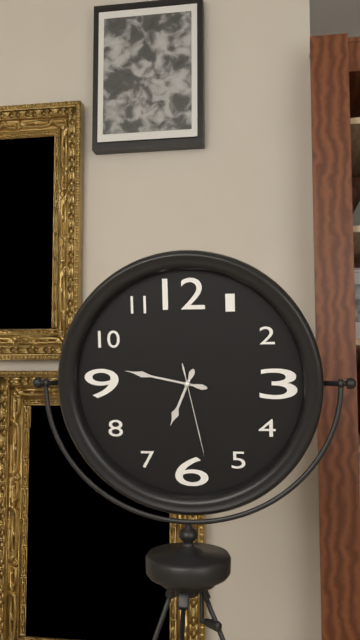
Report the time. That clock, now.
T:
6:47:28
